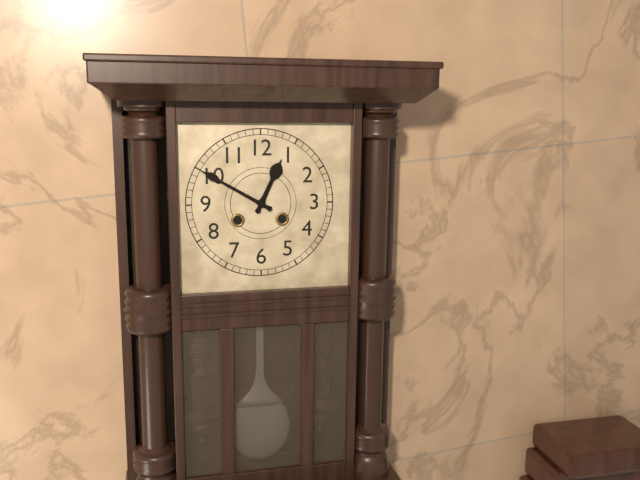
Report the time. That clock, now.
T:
12:50
